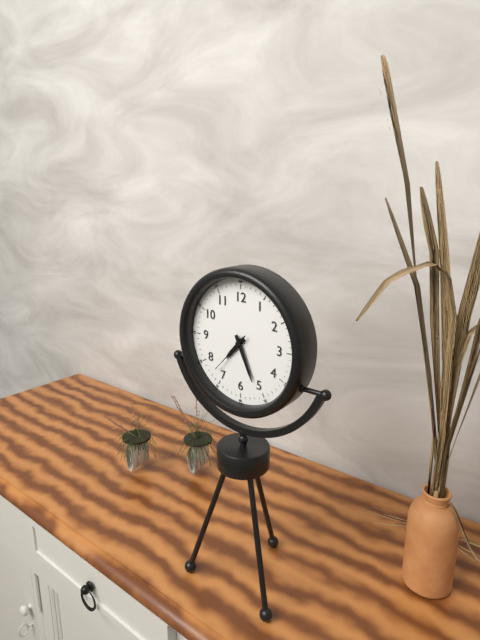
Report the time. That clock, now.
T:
7:26
